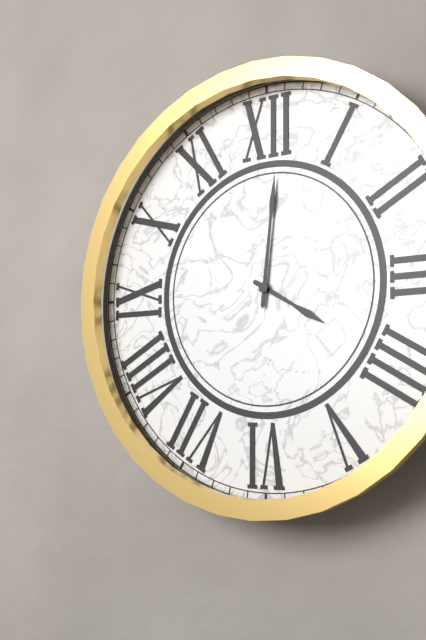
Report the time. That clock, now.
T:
4:01
